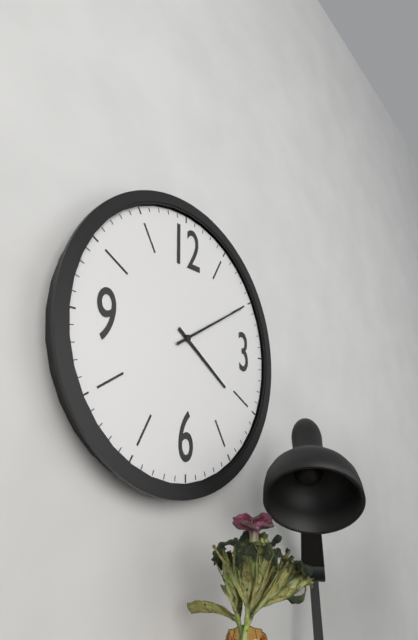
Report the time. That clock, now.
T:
4:10
